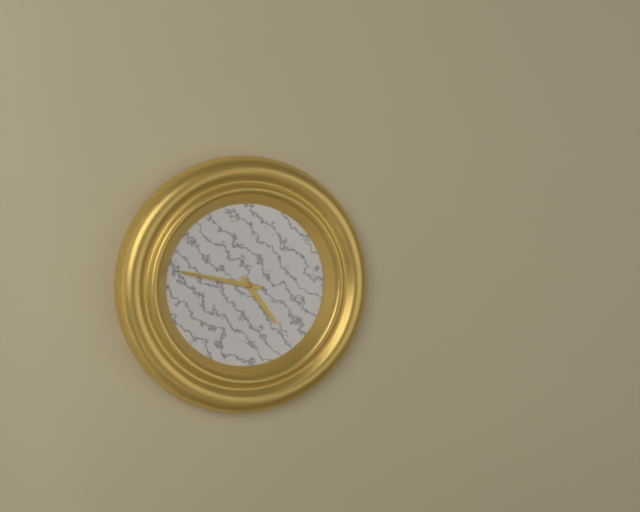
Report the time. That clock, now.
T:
4:47
